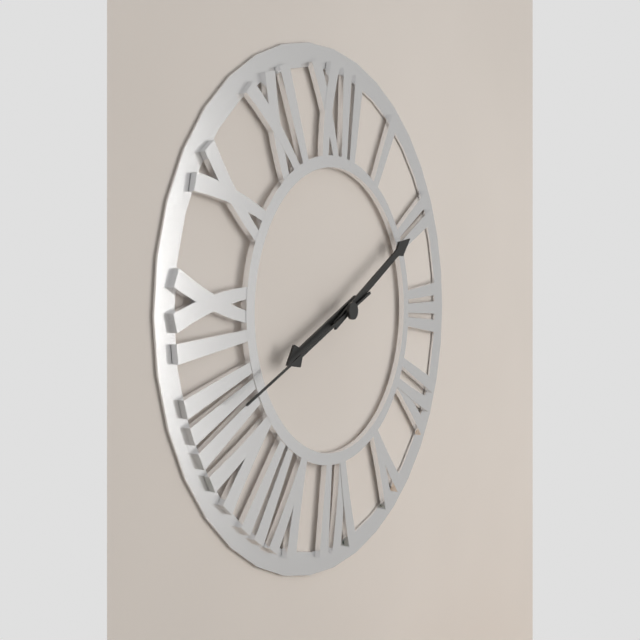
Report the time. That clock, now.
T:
8:10:41
